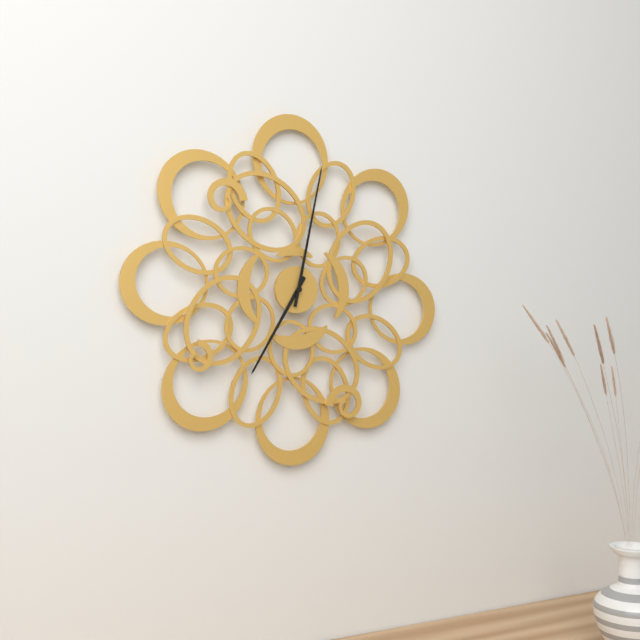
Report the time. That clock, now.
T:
7:02
